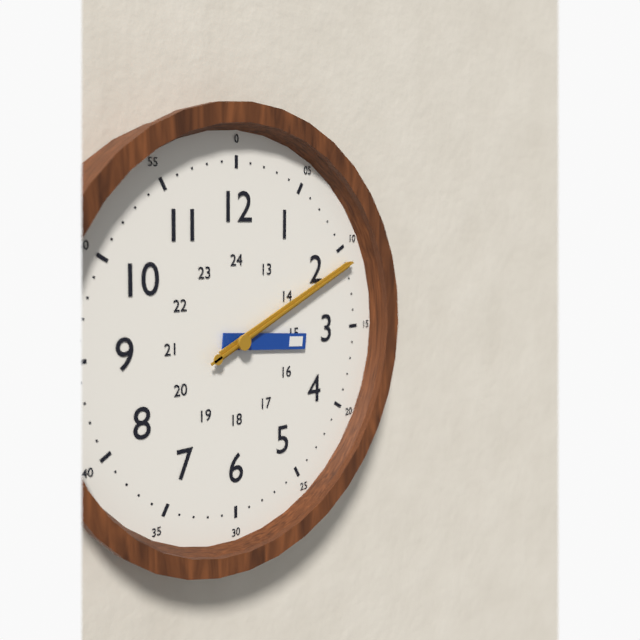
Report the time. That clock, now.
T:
3:11:11
